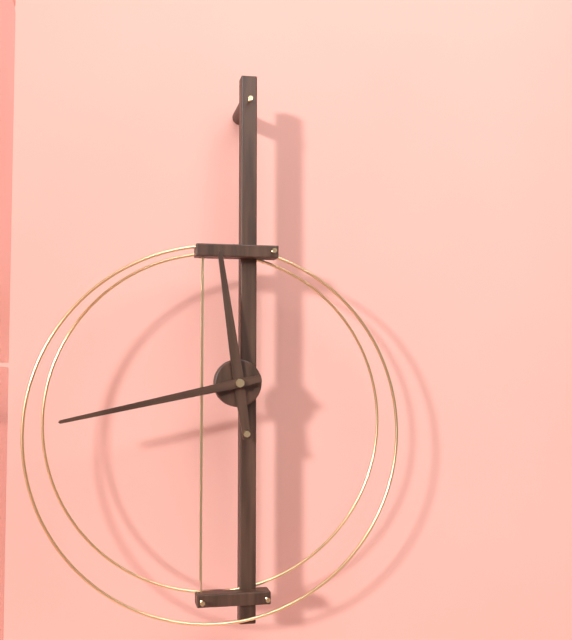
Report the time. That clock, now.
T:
11:43
